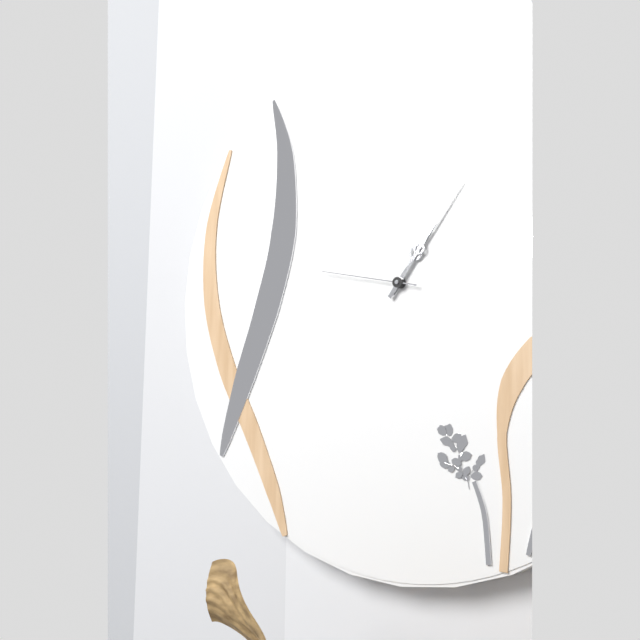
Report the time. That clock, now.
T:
1:06:47
